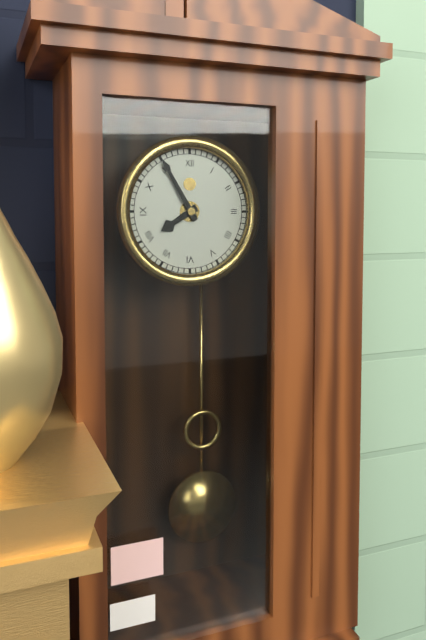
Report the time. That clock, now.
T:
7:55
